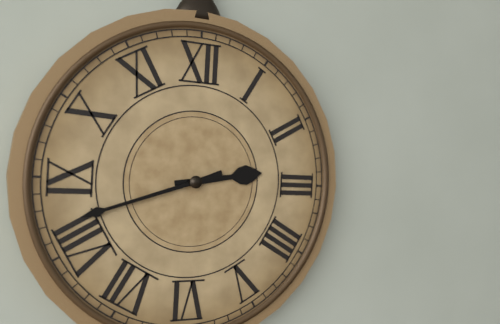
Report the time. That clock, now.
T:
2:42
